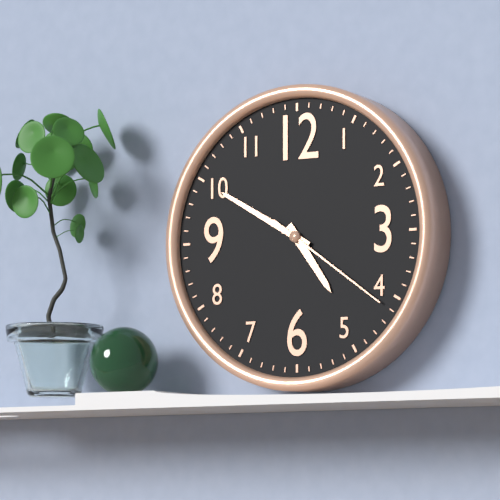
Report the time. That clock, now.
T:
4:50:21
